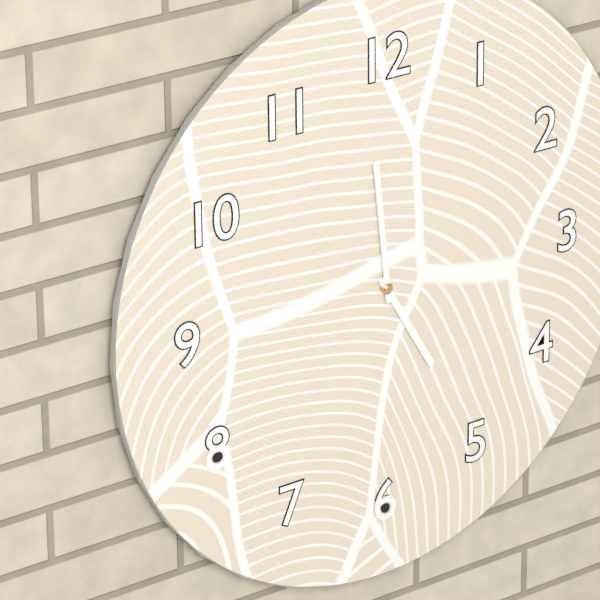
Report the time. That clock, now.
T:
4:59
